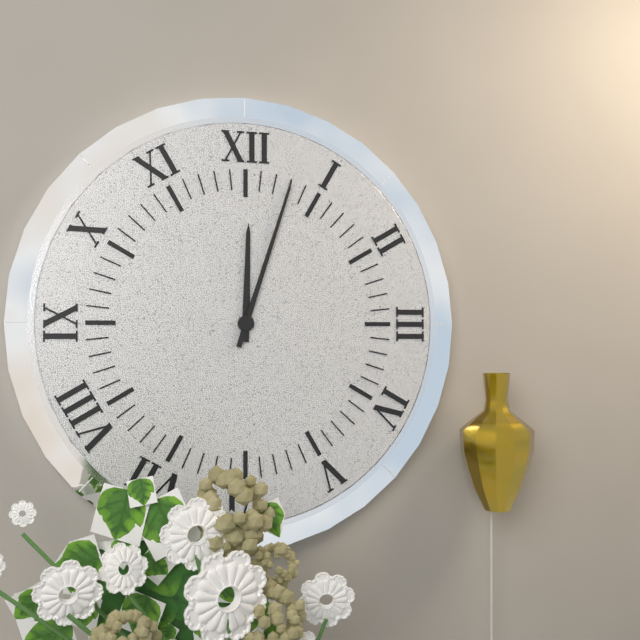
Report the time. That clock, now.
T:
12:03
